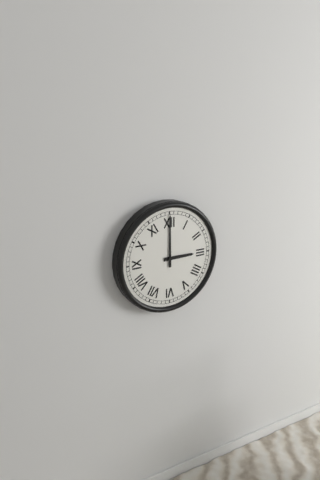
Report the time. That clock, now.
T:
3:00
